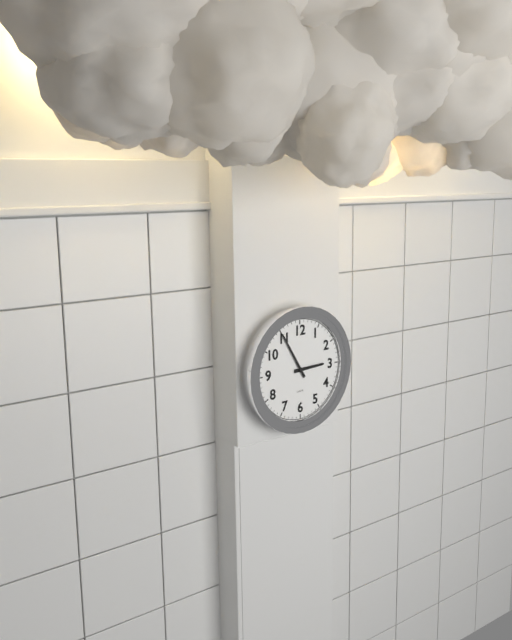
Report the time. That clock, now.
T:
2:55
